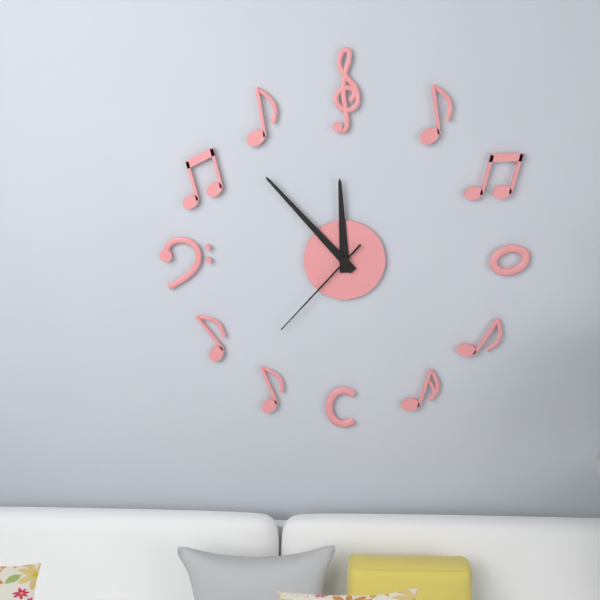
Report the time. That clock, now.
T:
11:53:37
